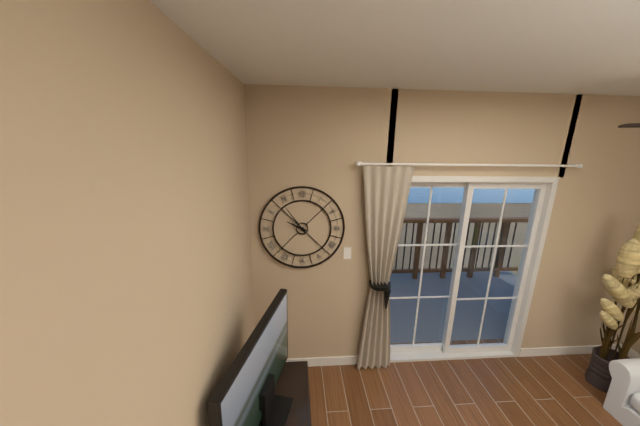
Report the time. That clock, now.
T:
9:54
